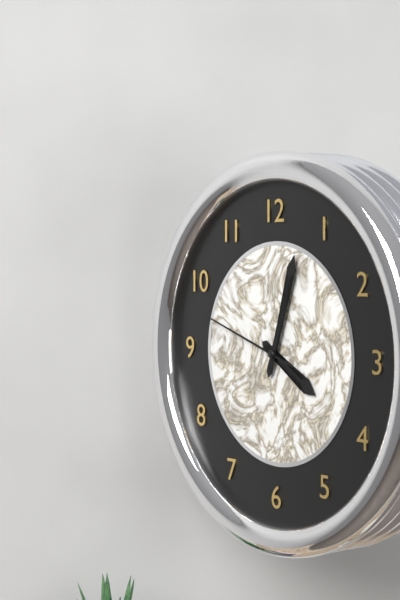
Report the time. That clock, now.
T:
4:03:48
